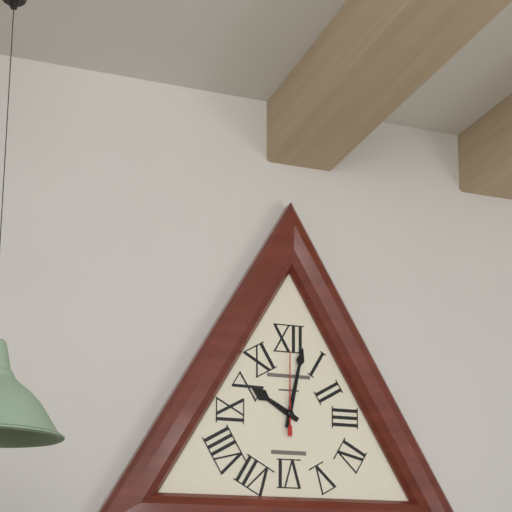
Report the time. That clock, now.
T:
10:02:00
